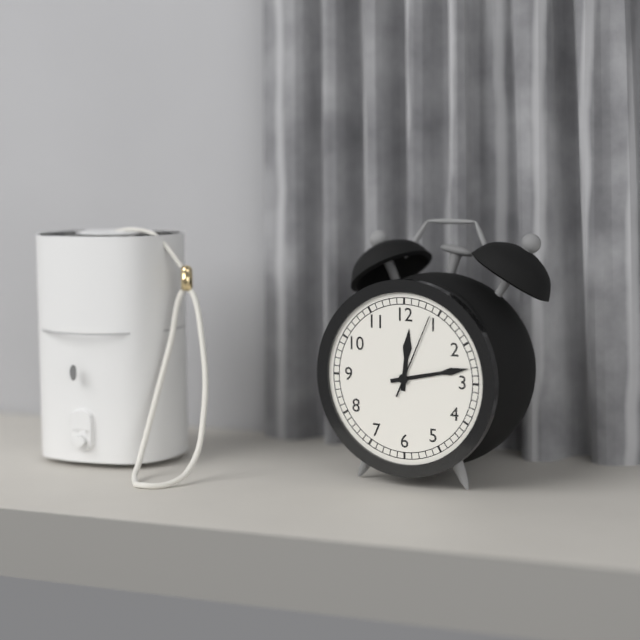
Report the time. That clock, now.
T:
12:13:04
